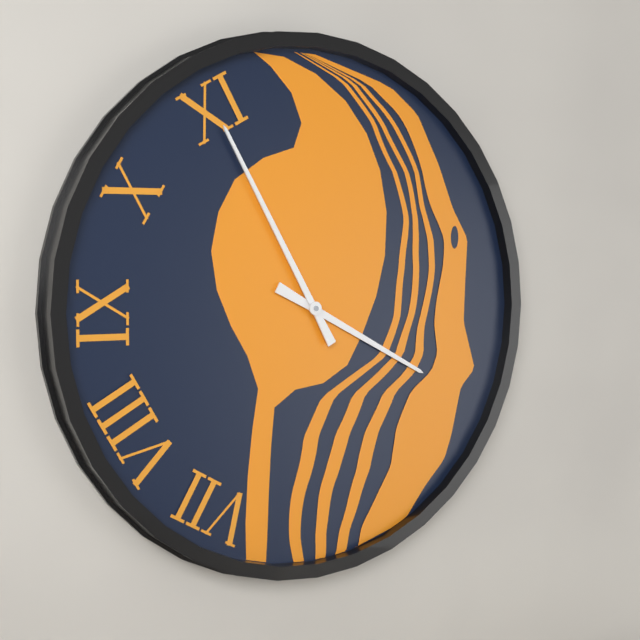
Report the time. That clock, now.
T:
3:55
